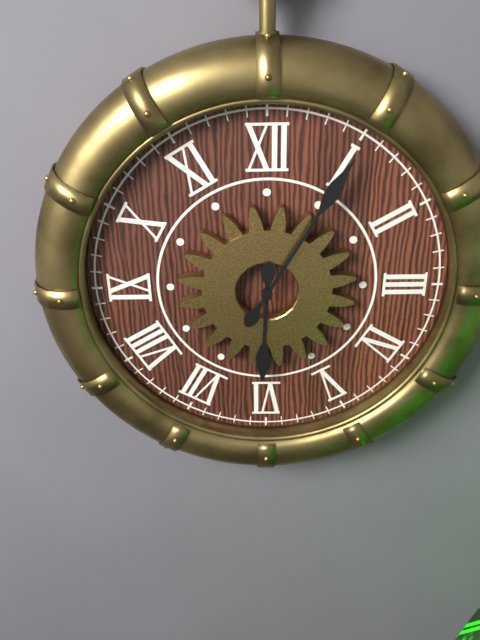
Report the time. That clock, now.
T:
6:05
